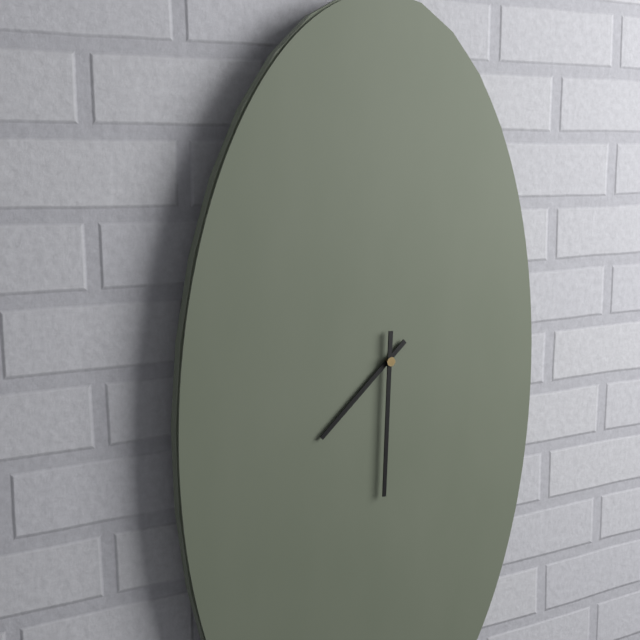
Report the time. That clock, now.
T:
7:30
